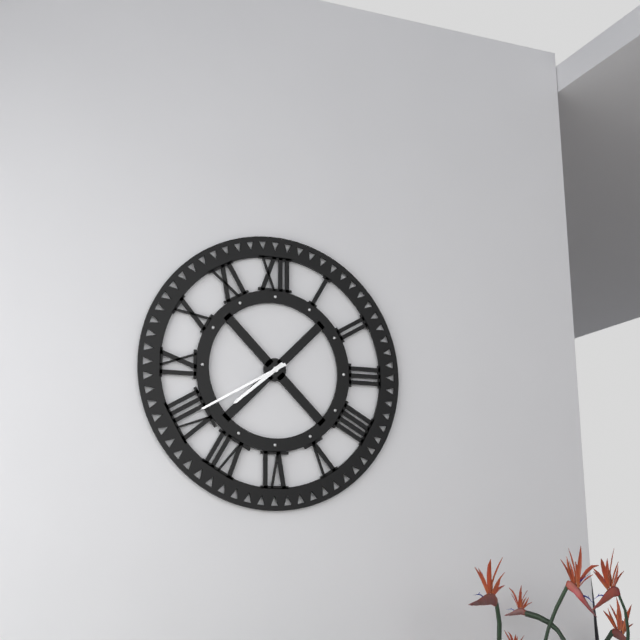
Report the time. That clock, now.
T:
7:40
